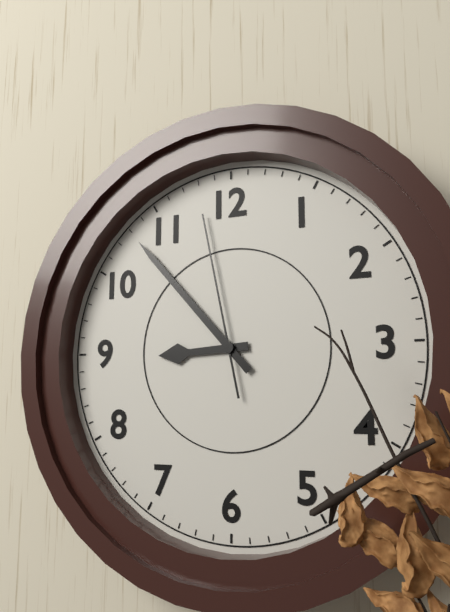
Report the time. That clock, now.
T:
8:53:58
